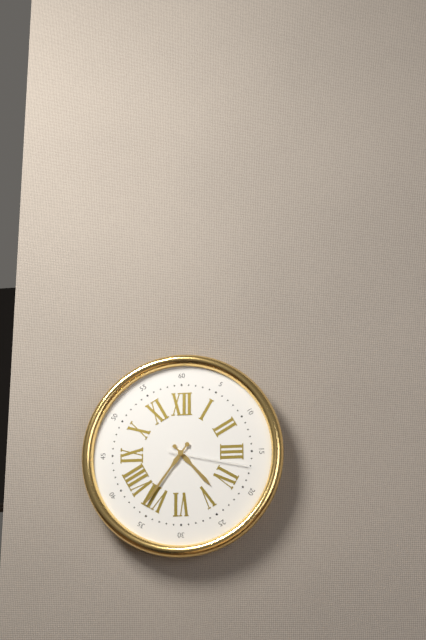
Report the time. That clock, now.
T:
4:36:17
